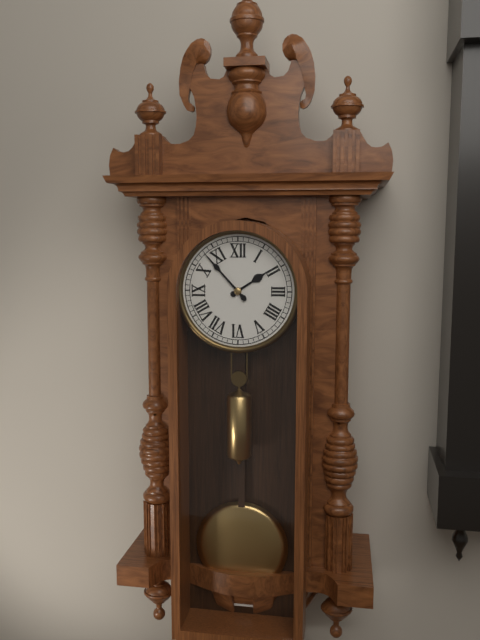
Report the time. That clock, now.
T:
1:53
